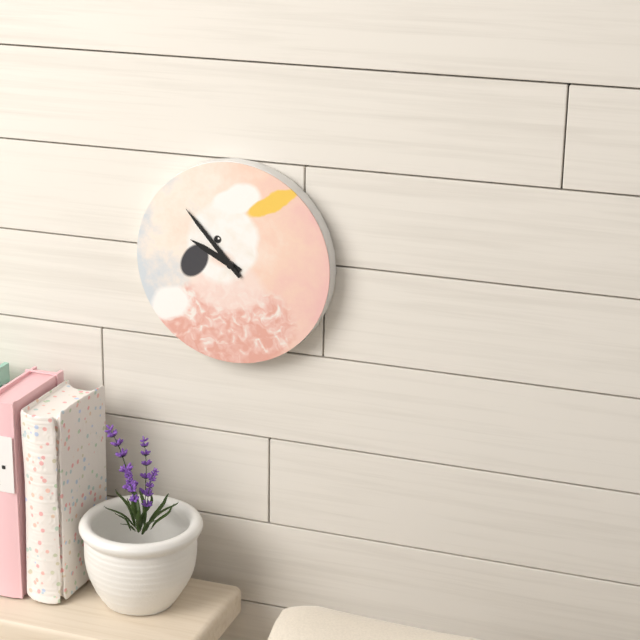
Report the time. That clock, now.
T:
9:53
